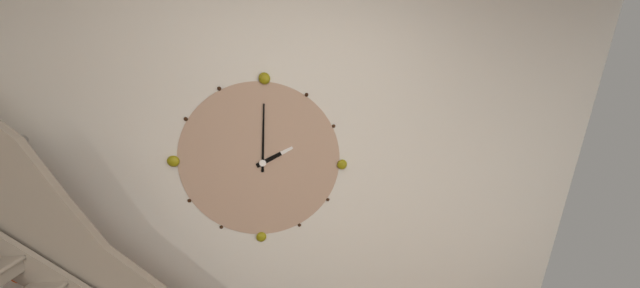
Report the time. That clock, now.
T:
2:00
